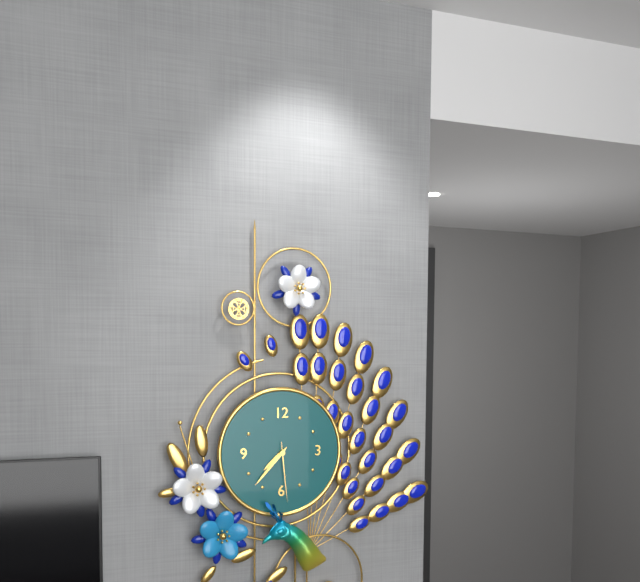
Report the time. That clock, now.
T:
7:37:29
